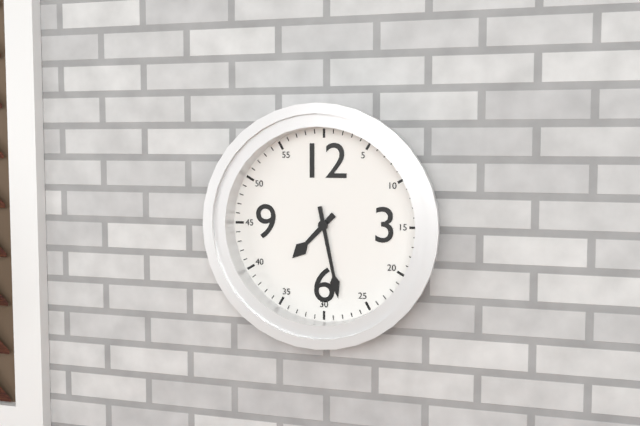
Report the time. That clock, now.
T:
7:28
